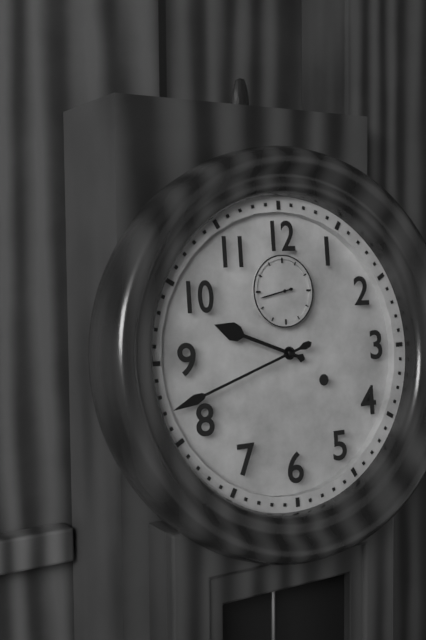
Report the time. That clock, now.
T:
9:42
